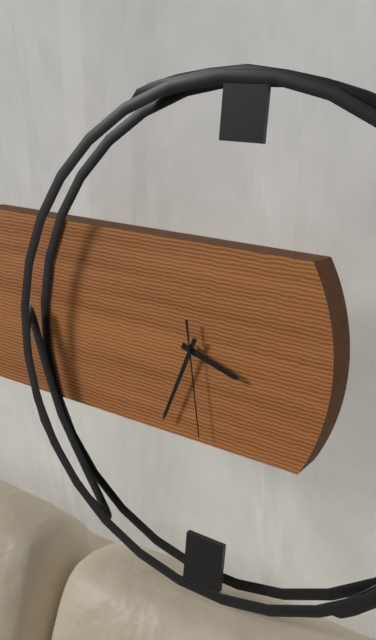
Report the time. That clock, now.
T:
3:33:28
